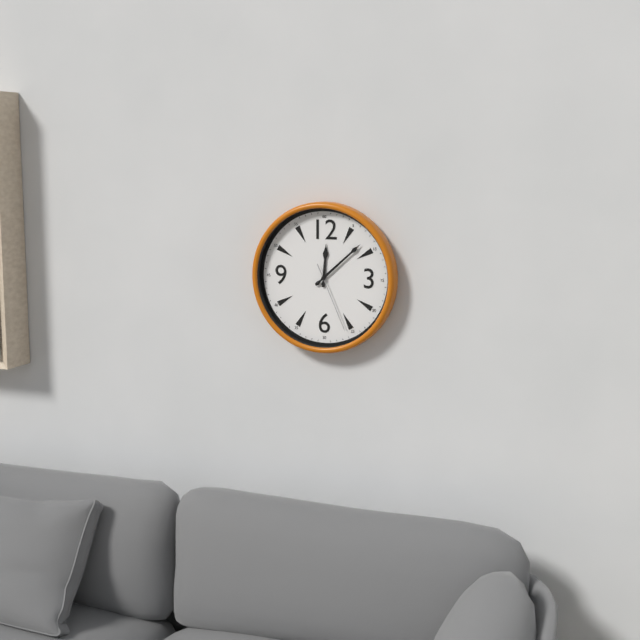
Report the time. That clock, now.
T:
12:08:26
